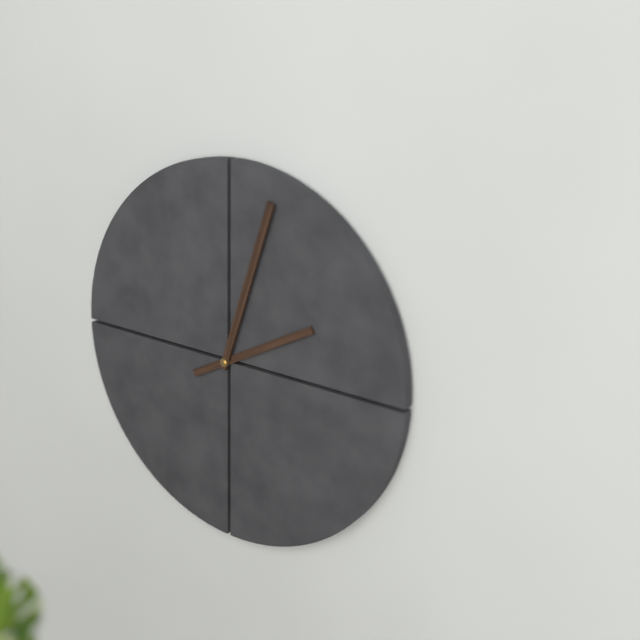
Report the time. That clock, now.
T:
2:03
